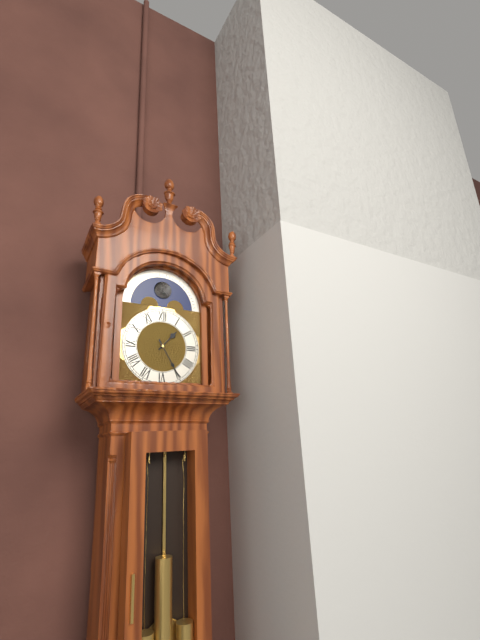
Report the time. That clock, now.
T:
1:25
